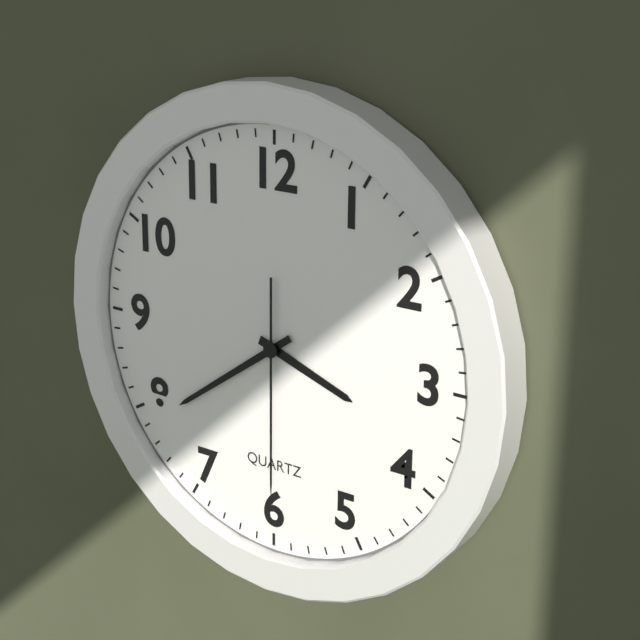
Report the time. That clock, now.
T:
3:39:30
